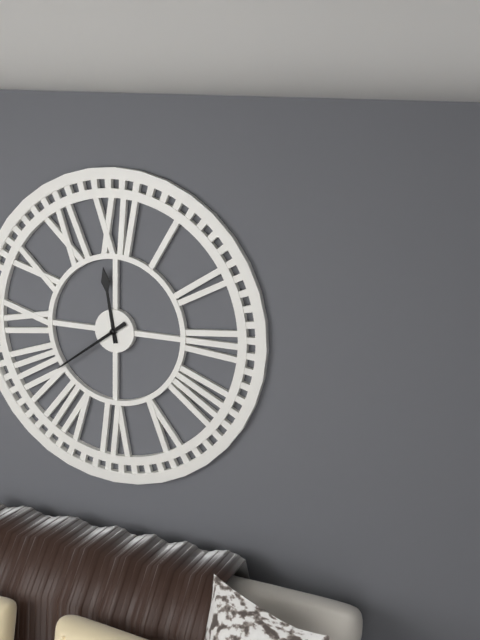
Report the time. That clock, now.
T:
11:39
